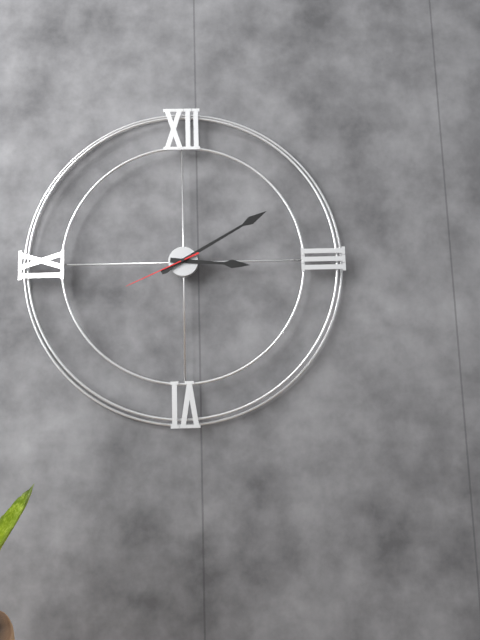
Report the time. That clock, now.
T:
3:10:41
